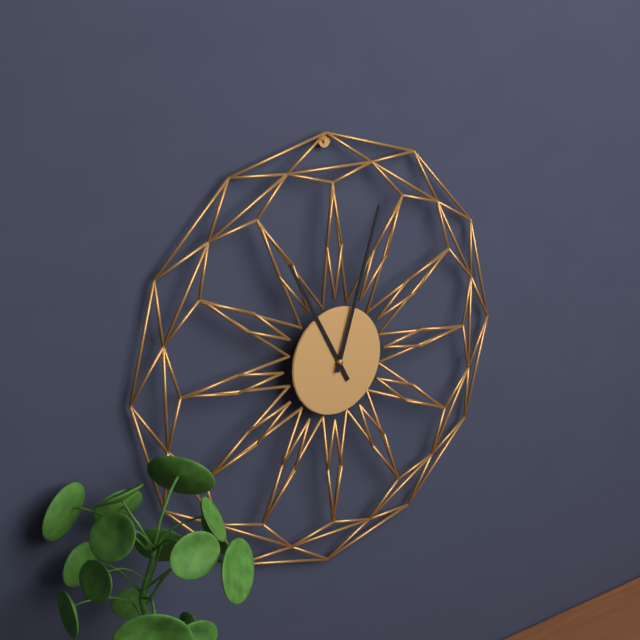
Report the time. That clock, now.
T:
11:03
